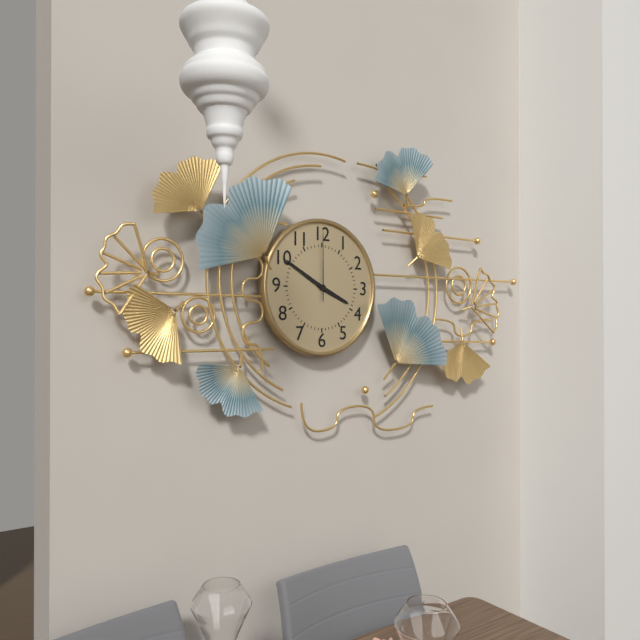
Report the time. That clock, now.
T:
3:50:00
